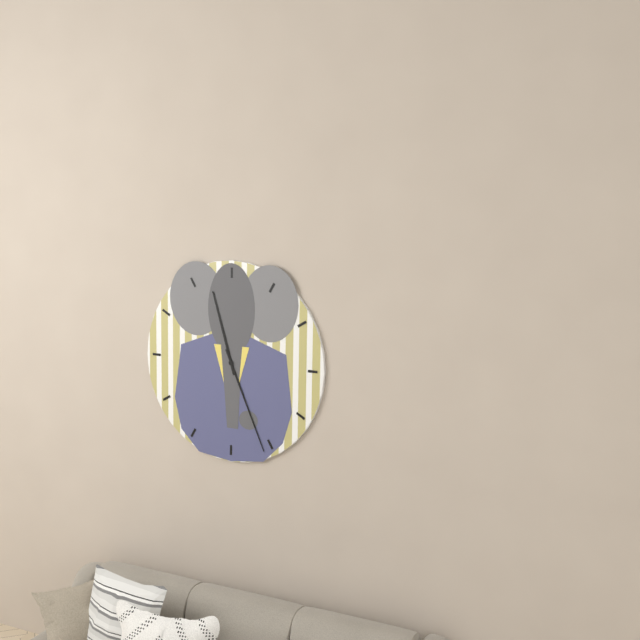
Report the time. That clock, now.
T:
11:26
